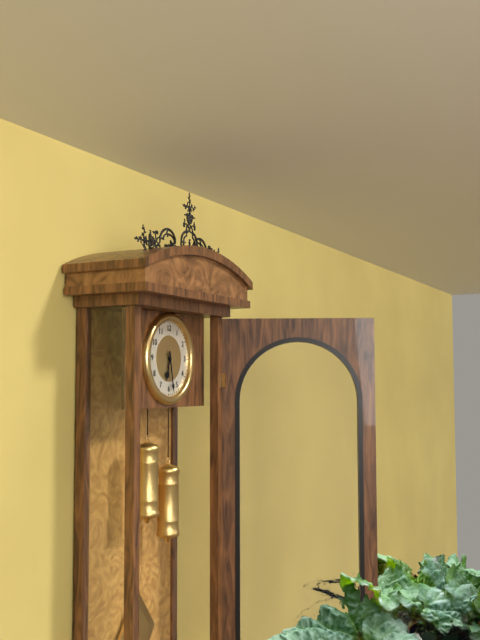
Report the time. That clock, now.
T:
6:28
